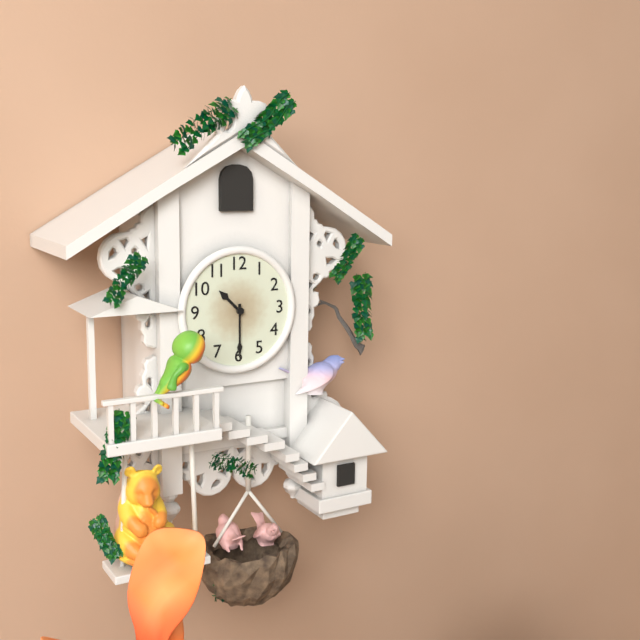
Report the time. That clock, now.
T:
10:30
